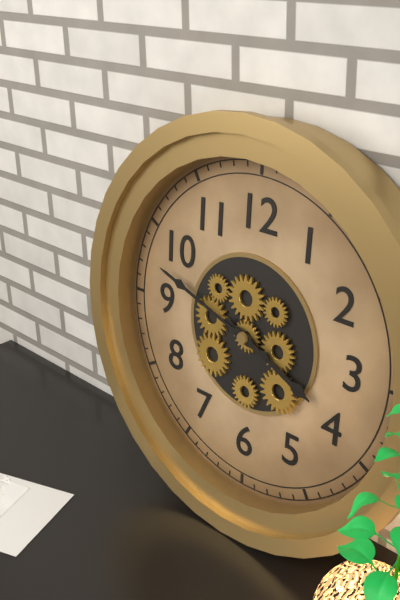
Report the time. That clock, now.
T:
3:48
